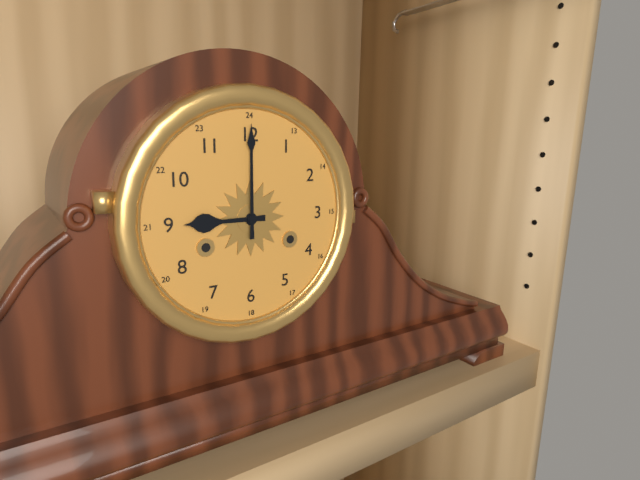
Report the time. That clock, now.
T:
9:00
